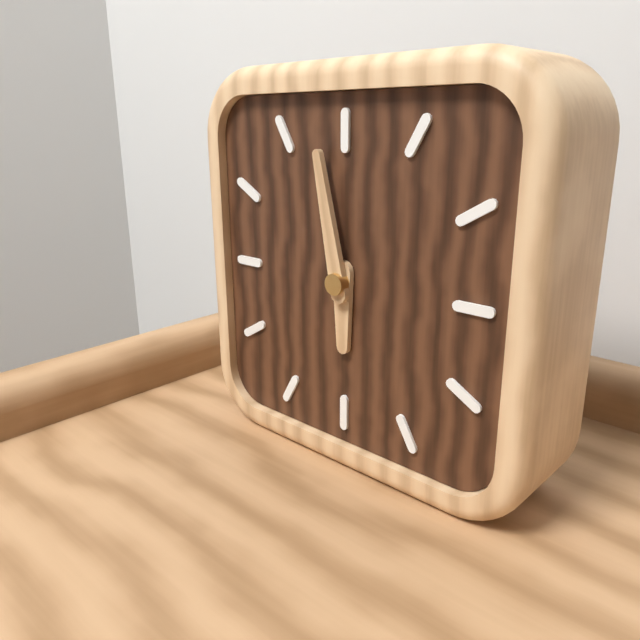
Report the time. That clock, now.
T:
5:58
